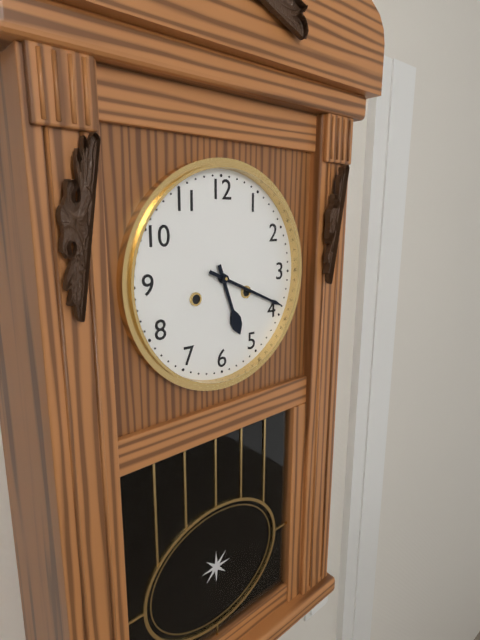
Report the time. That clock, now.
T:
5:19
